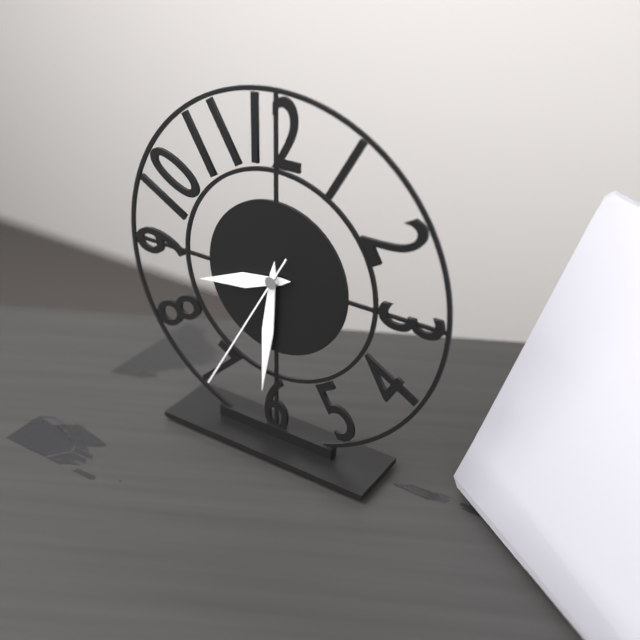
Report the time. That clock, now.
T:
8:31:35
